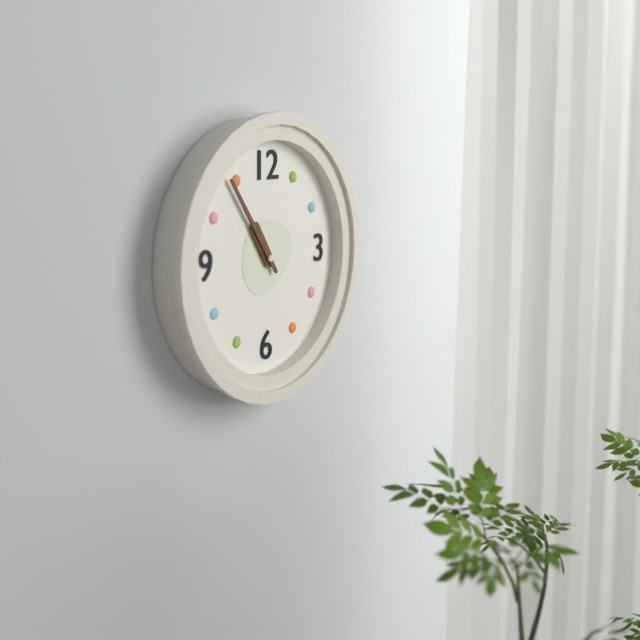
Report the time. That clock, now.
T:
10:54
